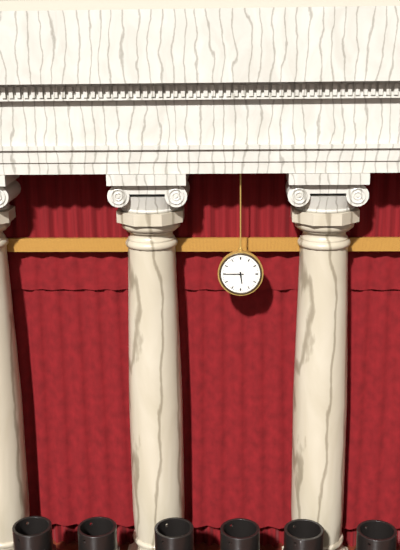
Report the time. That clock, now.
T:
5:45
